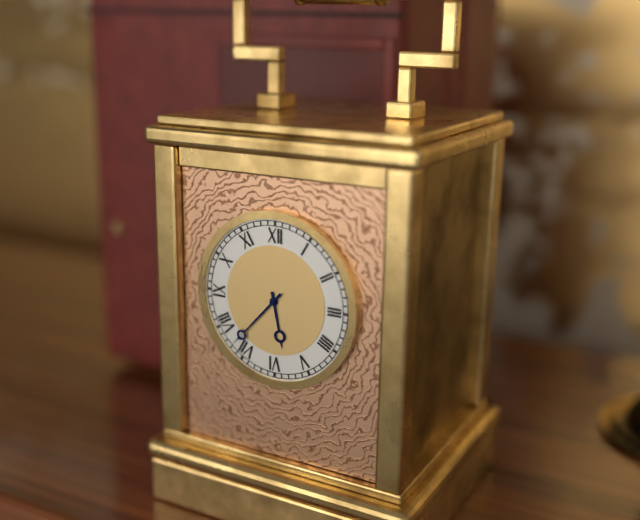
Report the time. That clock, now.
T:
5:37
